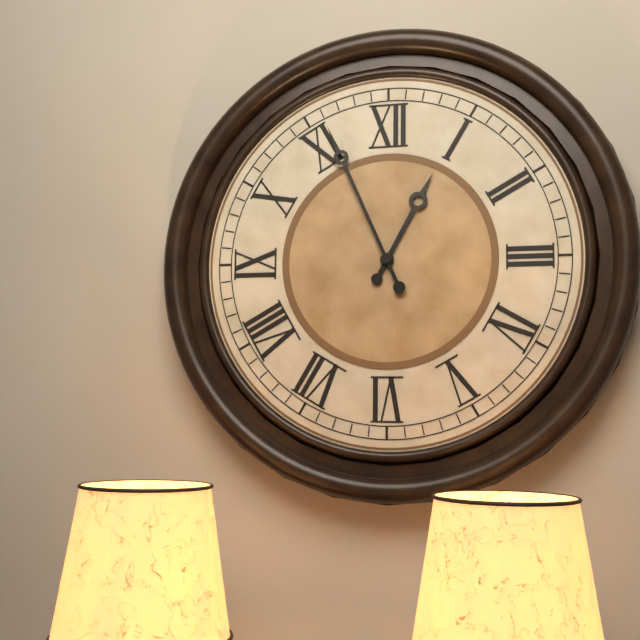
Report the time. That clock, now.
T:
12:56
